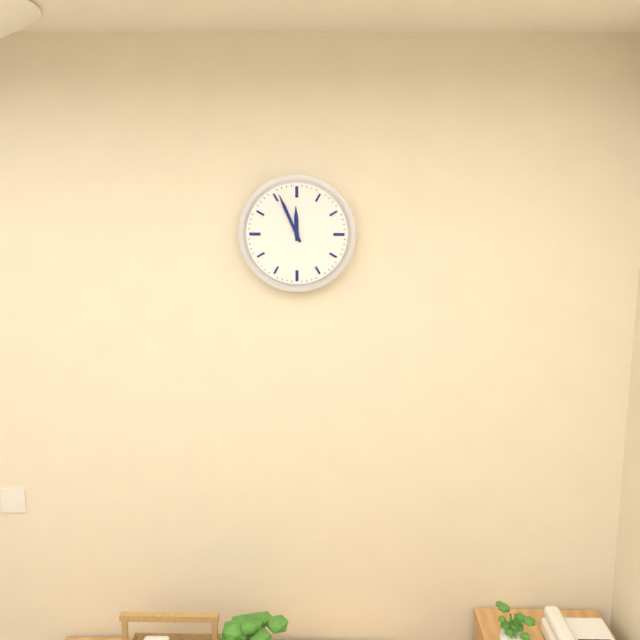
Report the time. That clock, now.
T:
11:56
